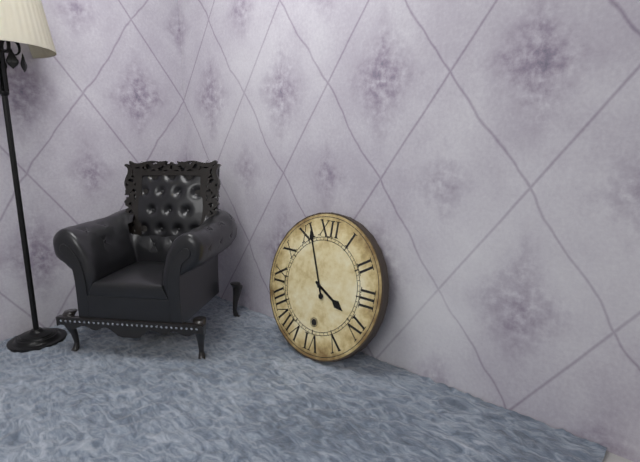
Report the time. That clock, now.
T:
3:56
